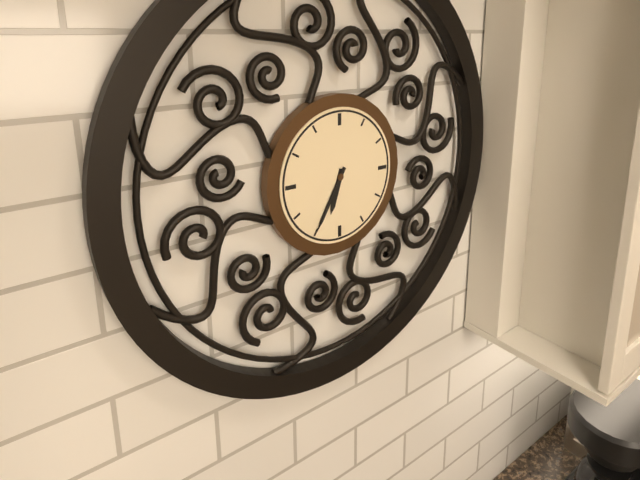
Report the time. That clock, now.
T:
6:35
